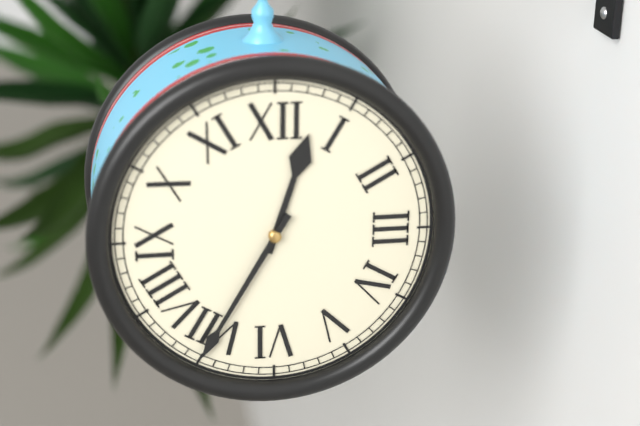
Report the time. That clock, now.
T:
12:35
